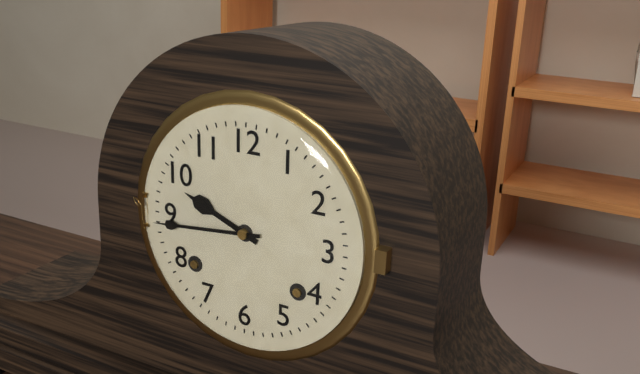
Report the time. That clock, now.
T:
9:44
